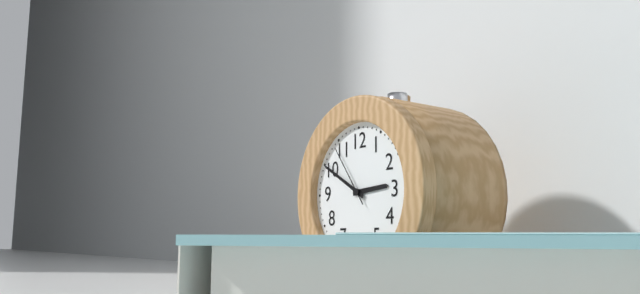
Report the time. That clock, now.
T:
2:50:54
